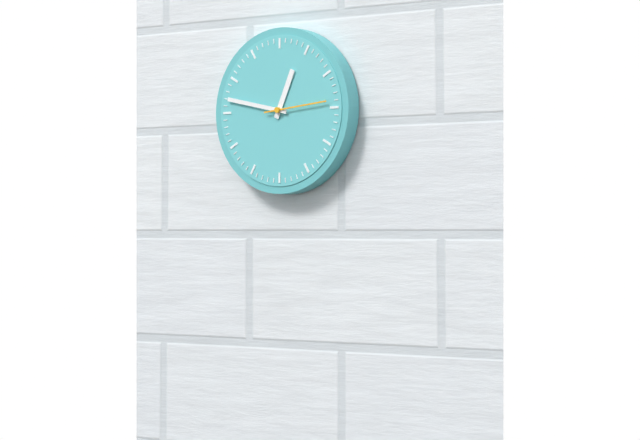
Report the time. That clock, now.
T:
12:47
